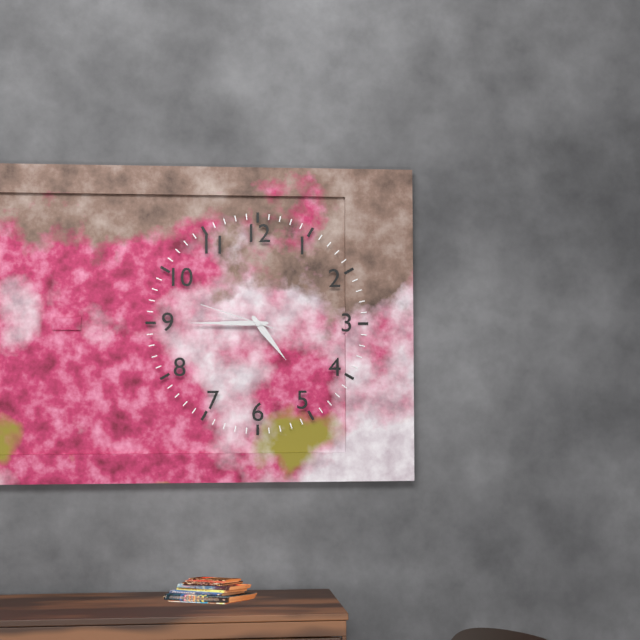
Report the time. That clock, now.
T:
4:45:48
